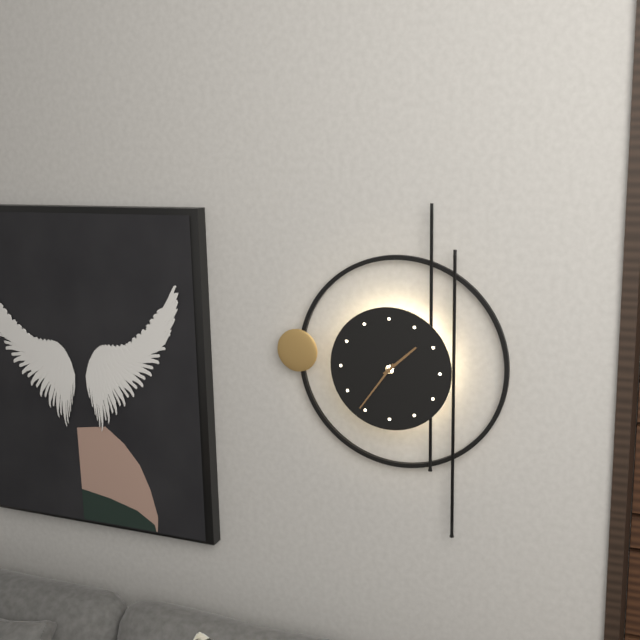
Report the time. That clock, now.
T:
1:36
